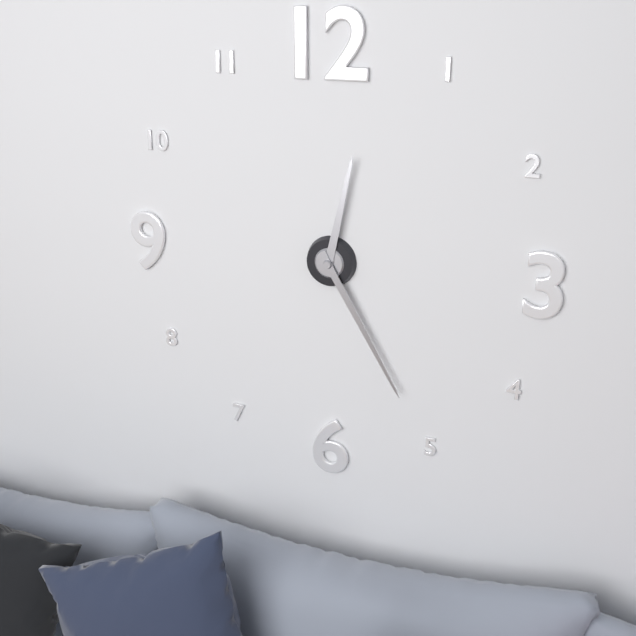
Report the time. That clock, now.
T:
12:25
